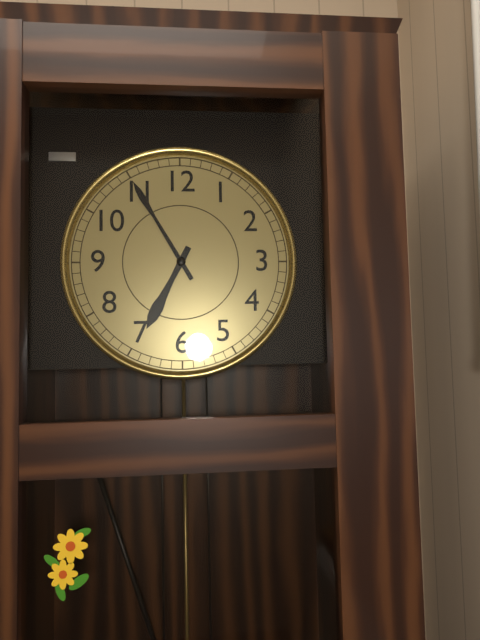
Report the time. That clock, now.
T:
6:55
